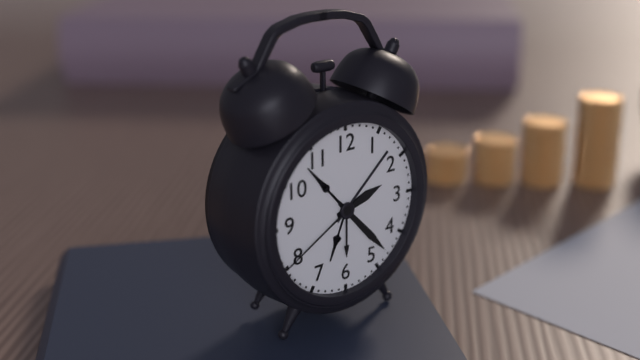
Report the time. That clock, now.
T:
2:23:40
